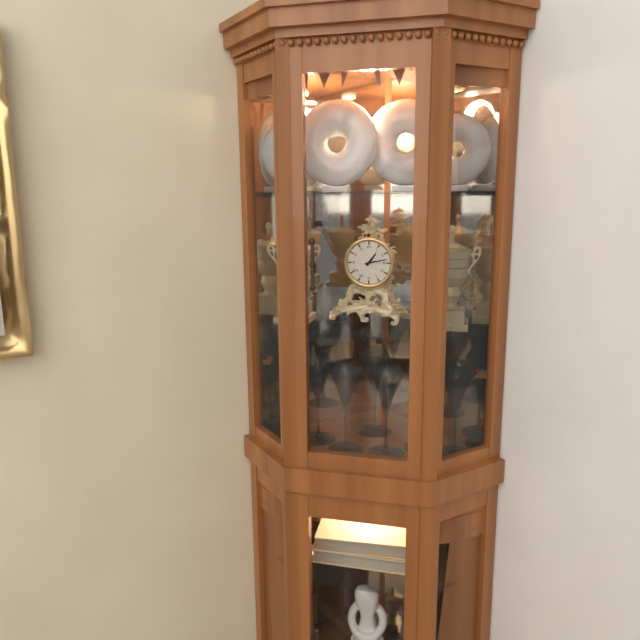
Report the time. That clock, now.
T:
1:13
